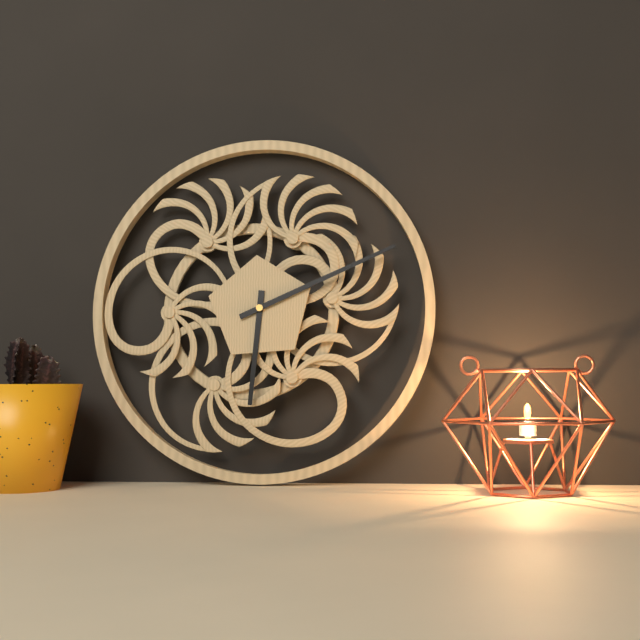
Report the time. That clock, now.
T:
6:11
